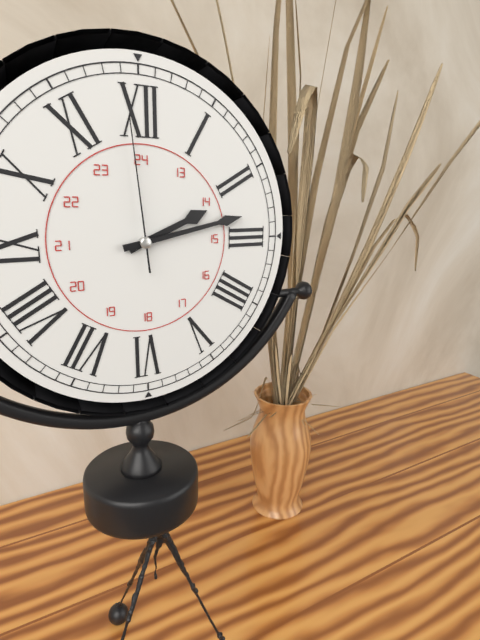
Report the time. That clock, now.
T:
2:13:59
